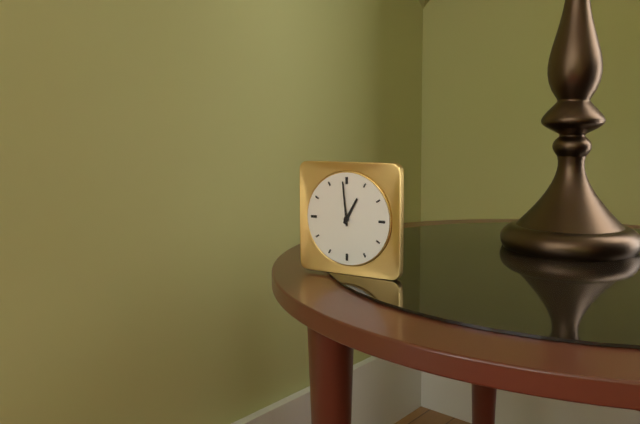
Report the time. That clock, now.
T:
12:59
